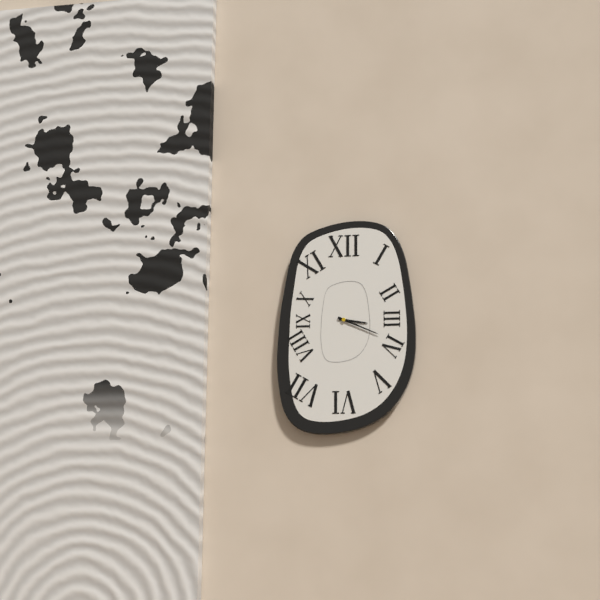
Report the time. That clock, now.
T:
3:19
